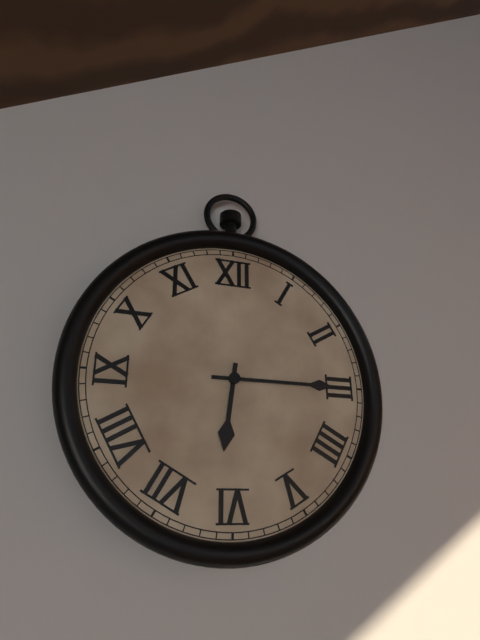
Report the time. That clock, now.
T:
6:15
